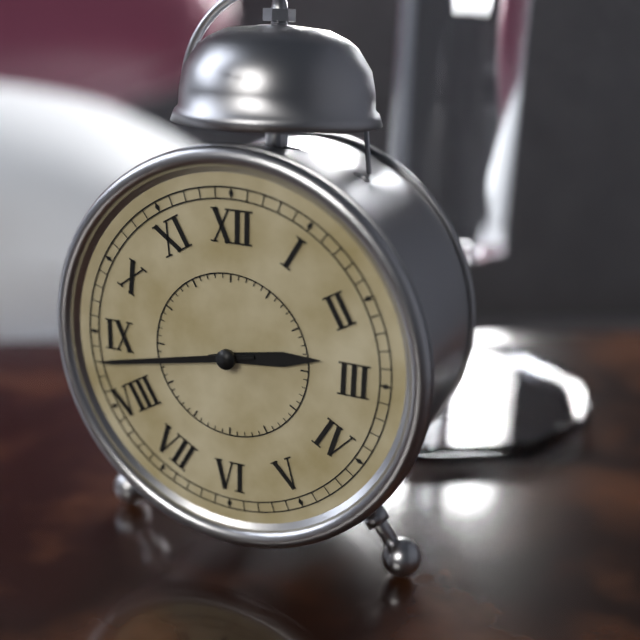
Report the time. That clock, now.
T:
2:43
